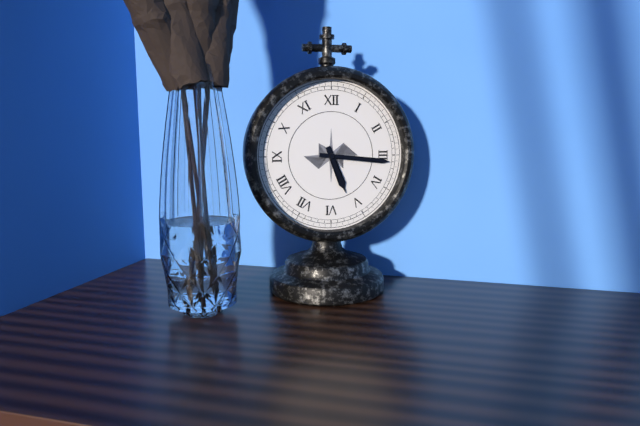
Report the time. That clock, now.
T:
5:16
